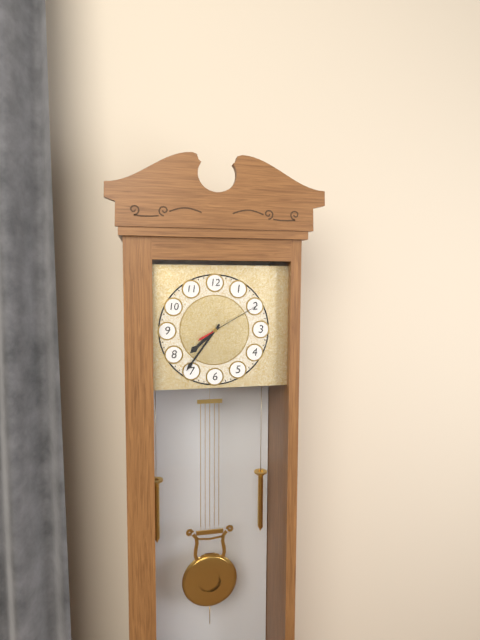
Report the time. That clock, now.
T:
7:36:10
